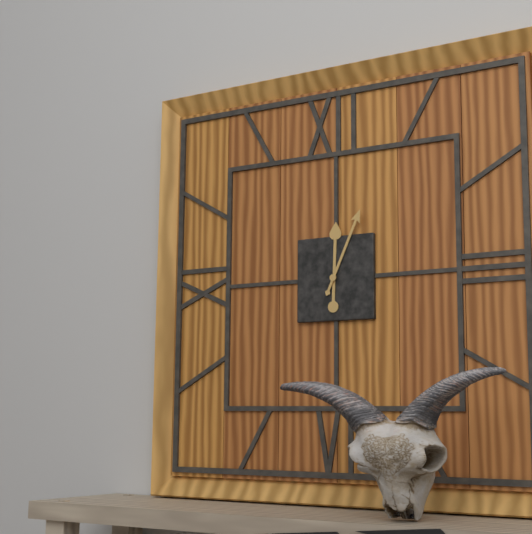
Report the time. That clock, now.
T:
12:04
